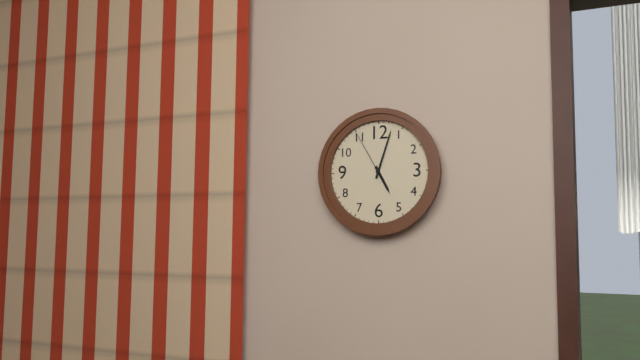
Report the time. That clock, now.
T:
5:03:55
